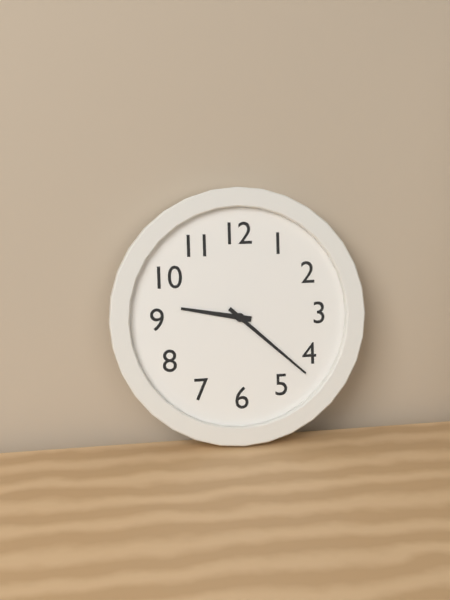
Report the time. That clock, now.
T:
9:22
